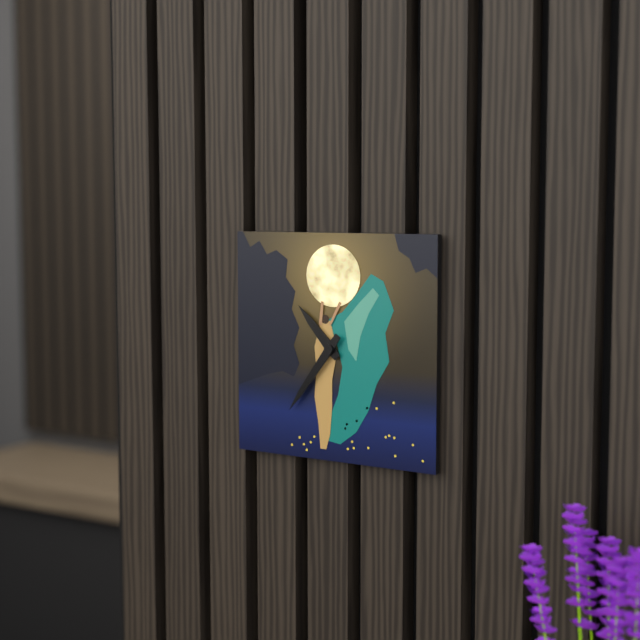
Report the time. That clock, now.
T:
10:36
